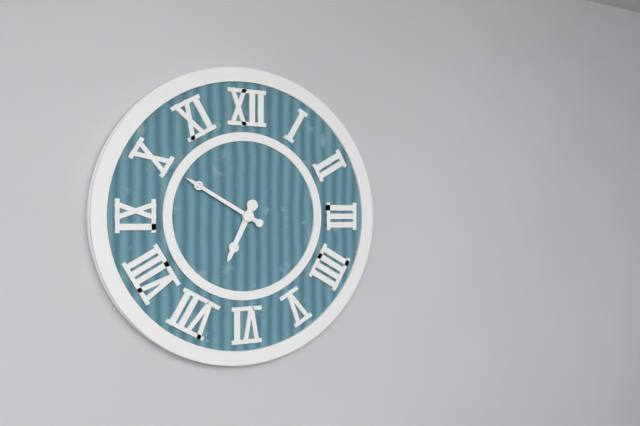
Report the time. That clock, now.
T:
6:50
